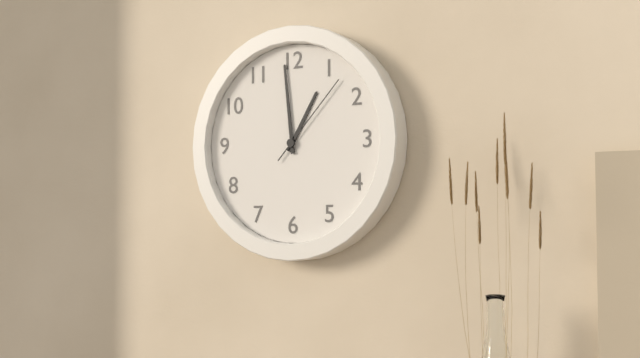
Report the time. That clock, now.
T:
12:59:07
